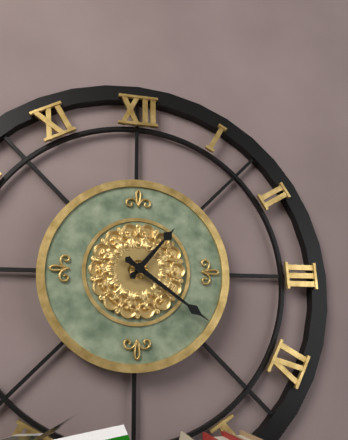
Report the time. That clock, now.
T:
1:21
